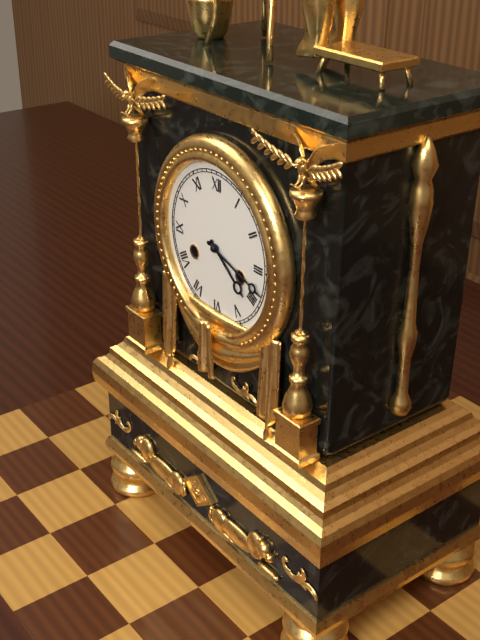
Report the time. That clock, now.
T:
4:18
